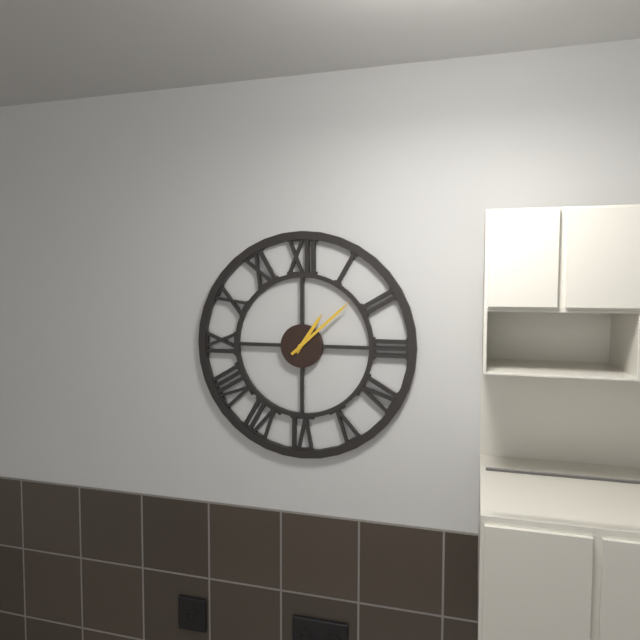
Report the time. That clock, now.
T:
1:08
